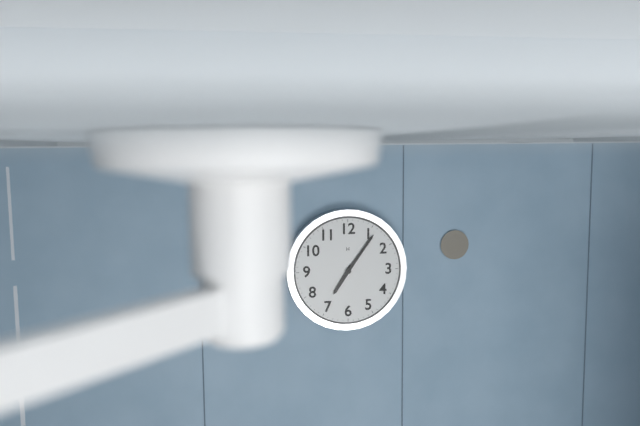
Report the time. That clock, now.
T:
7:06
